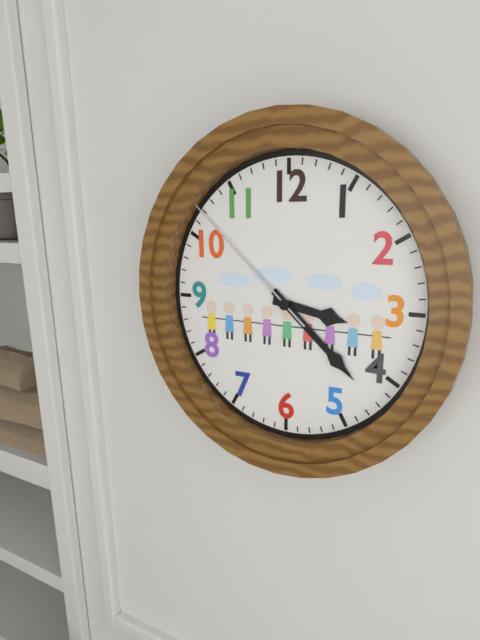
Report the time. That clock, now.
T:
3:22:52
